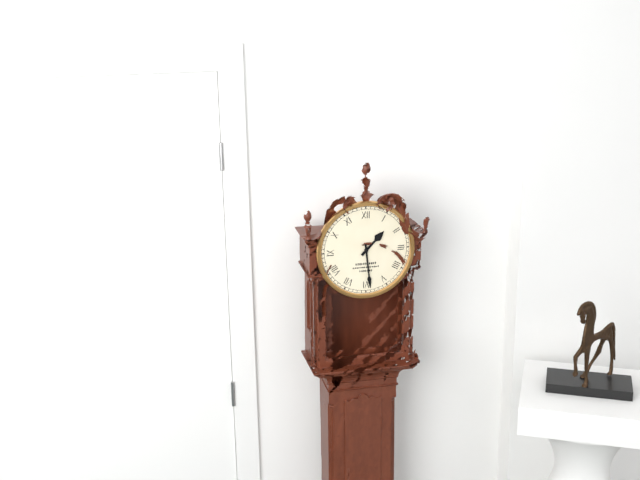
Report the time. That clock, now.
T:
1:29
